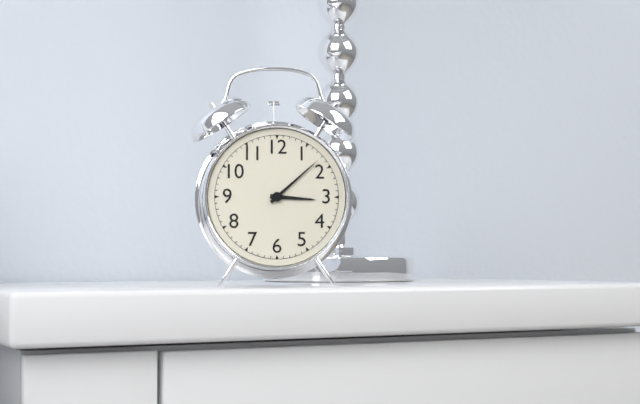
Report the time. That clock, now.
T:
3:08
